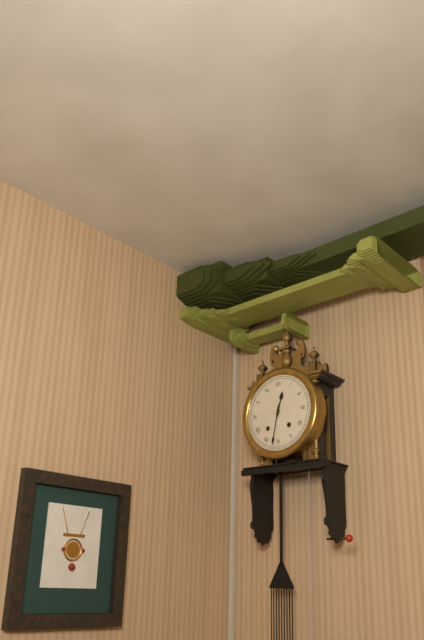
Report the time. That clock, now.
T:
12:32
